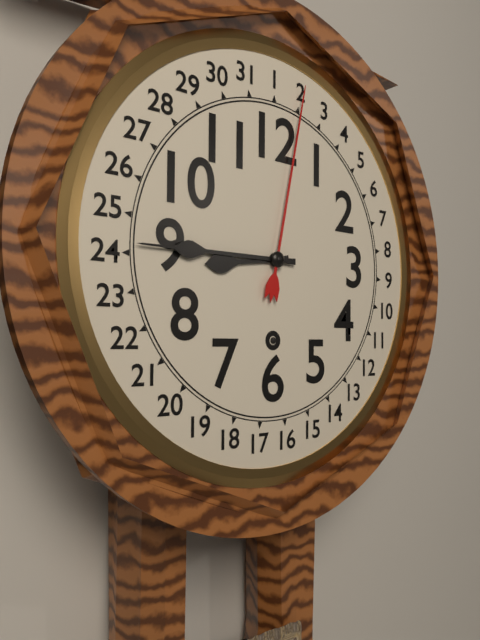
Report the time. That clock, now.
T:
8:45
